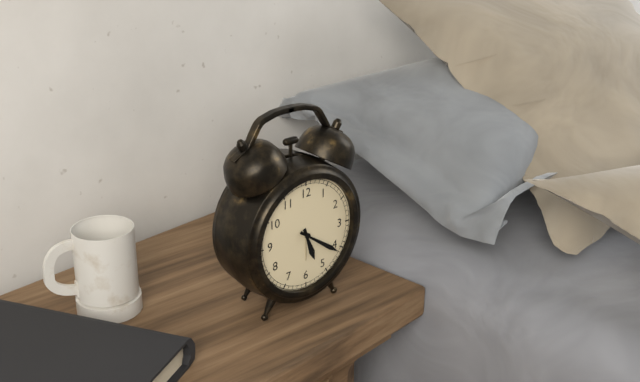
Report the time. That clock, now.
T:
5:21
